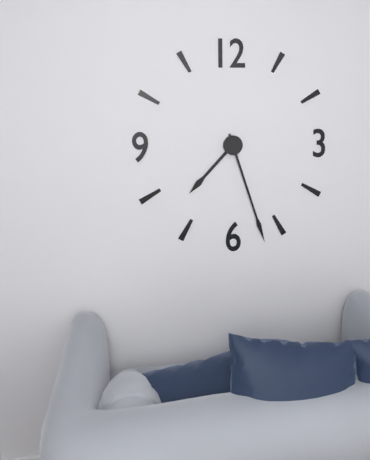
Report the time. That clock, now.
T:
7:27
